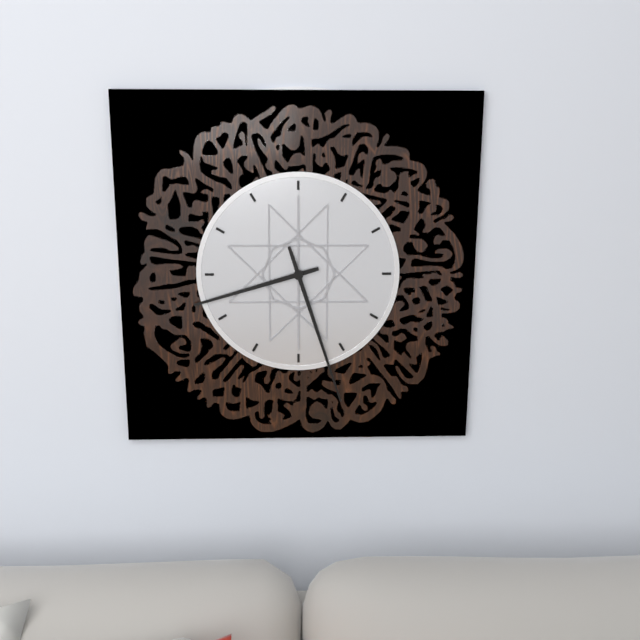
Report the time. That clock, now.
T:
8:27
